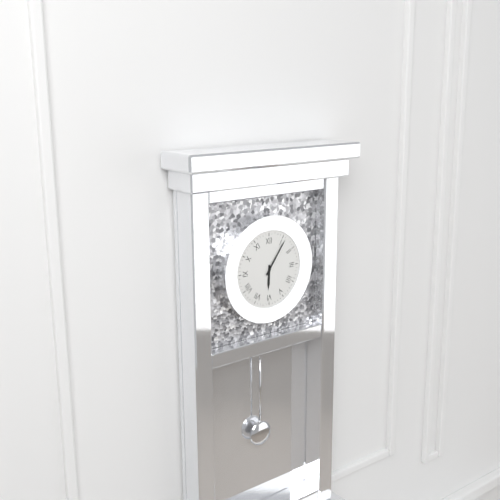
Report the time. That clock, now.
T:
6:06
